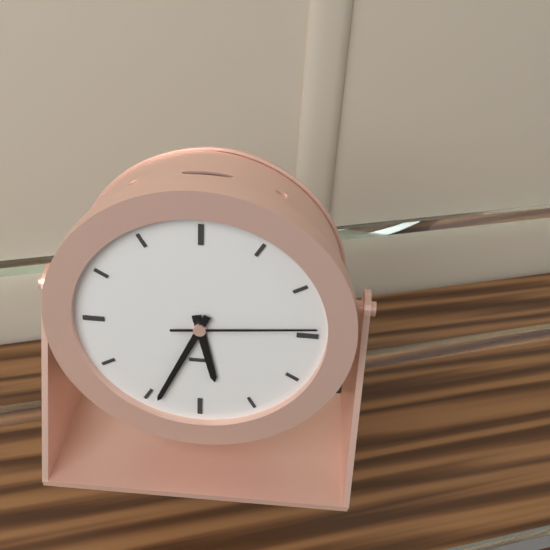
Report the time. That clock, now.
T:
5:34:14
